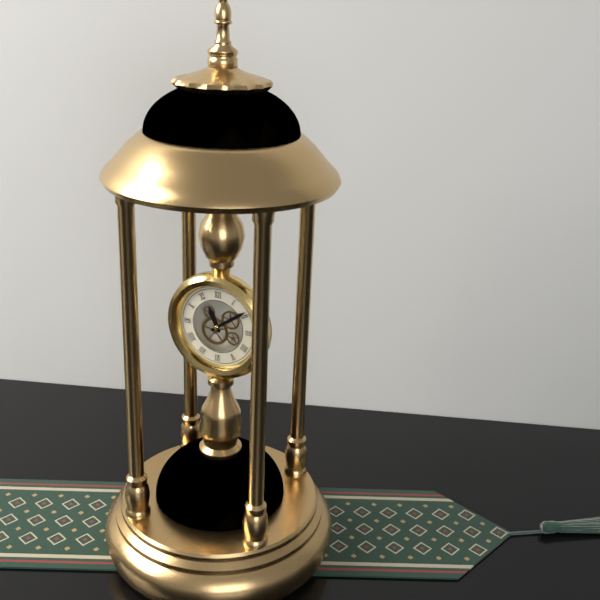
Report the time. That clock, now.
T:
11:09
